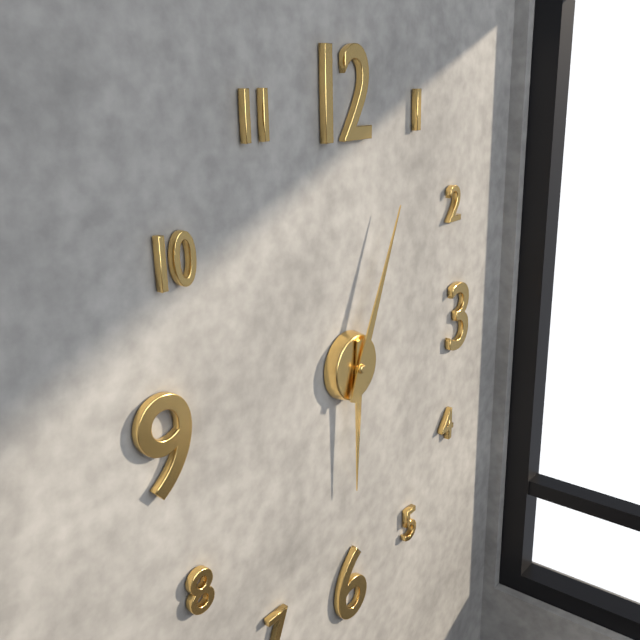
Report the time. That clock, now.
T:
6:04
